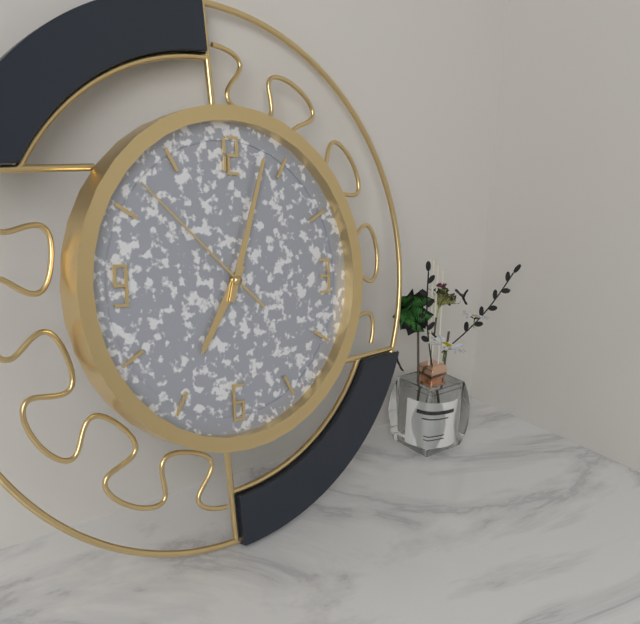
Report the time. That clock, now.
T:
7:03:52
